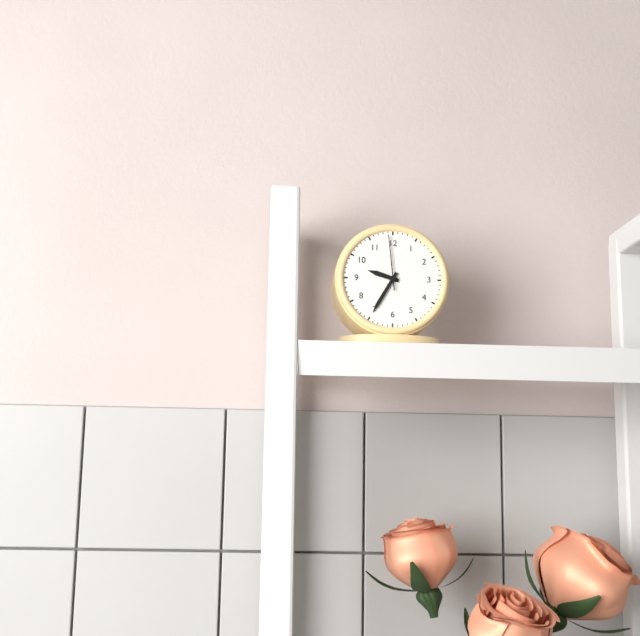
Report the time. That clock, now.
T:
9:35:59
